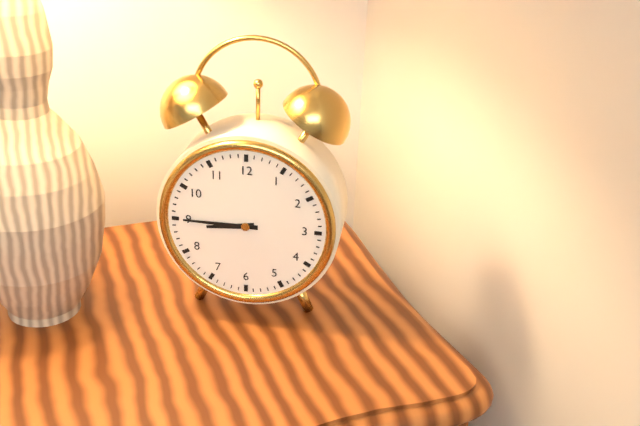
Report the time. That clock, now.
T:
8:45
